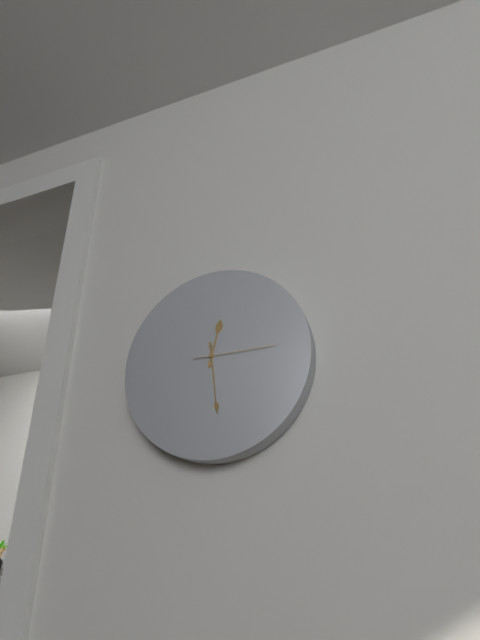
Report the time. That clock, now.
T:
12:29:15
